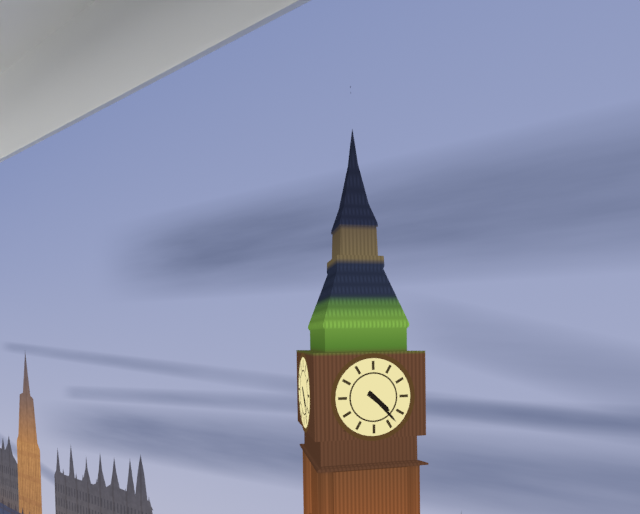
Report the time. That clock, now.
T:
4:23
